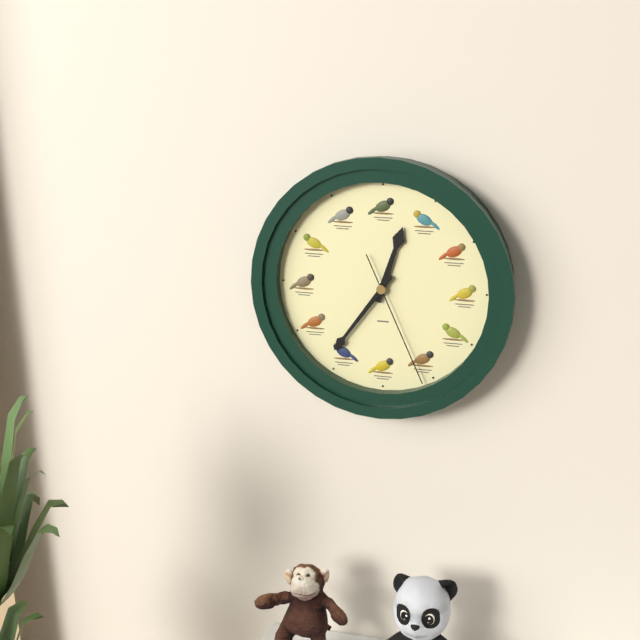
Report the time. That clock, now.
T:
12:36:26
